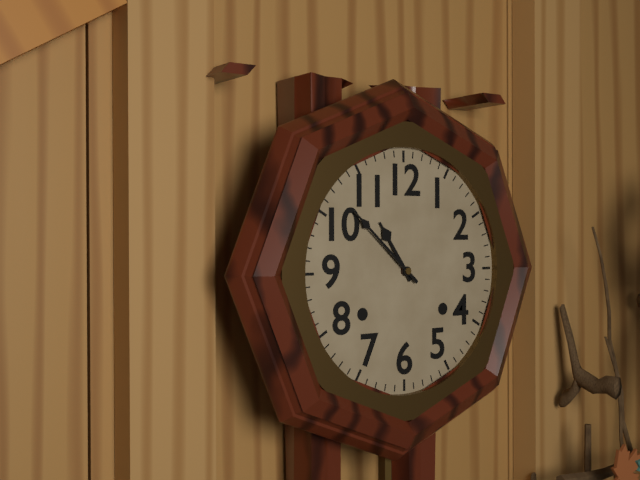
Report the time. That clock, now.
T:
10:52
